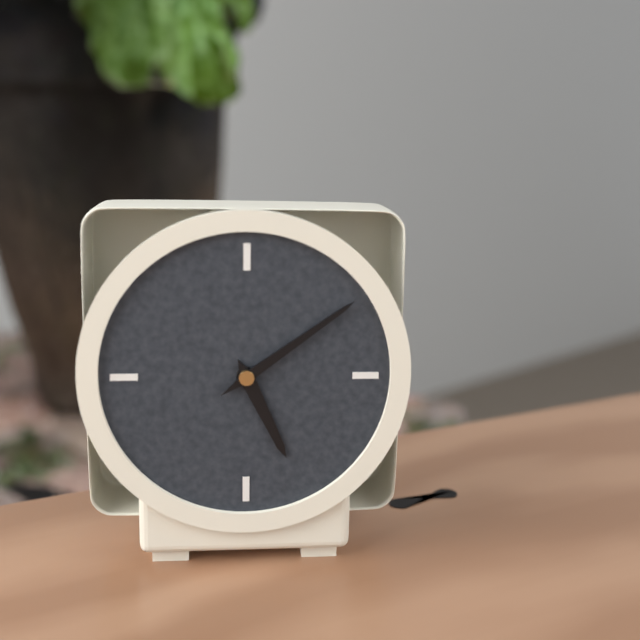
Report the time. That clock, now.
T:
5:09
